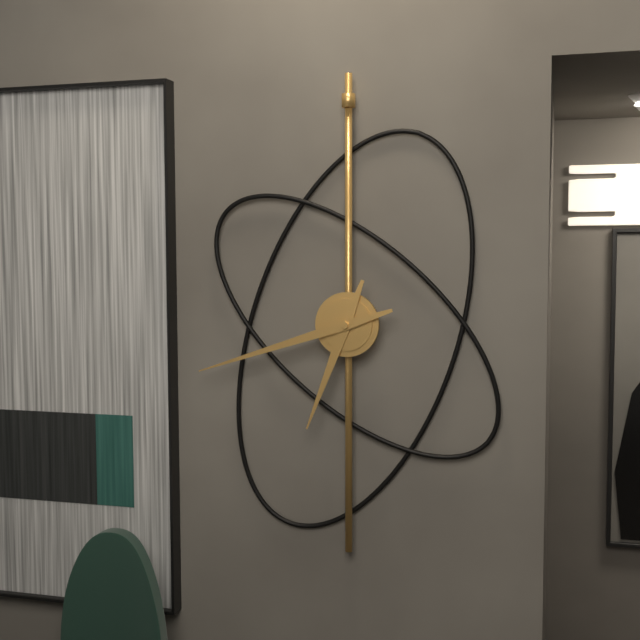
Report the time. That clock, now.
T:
6:42
